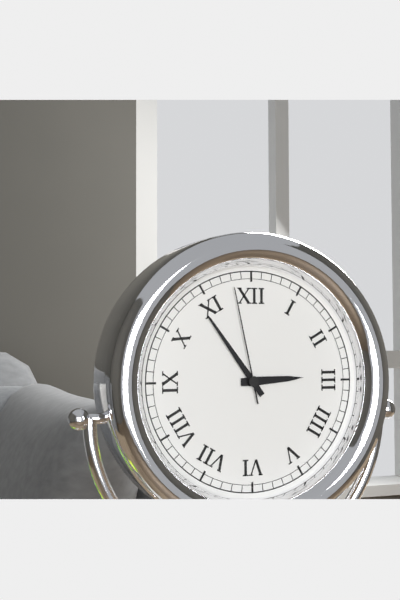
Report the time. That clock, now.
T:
2:54:58
